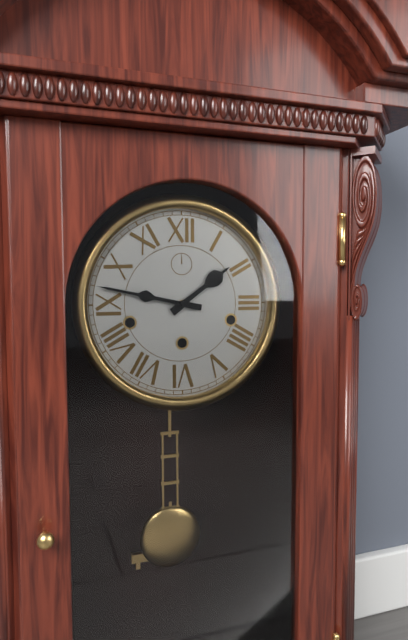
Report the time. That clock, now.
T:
1:47
